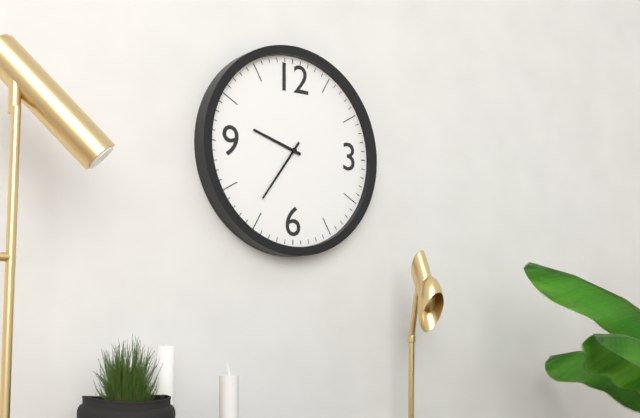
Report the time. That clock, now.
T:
9:36
